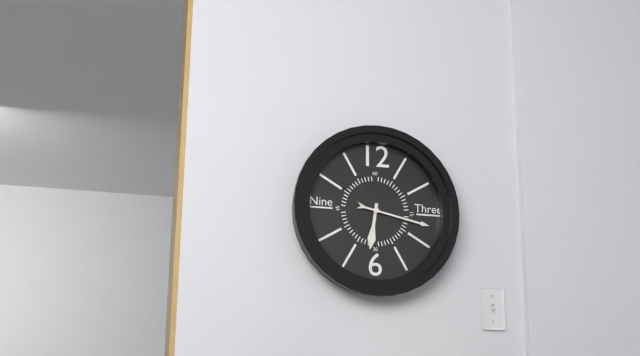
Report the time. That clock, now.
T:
6:17
